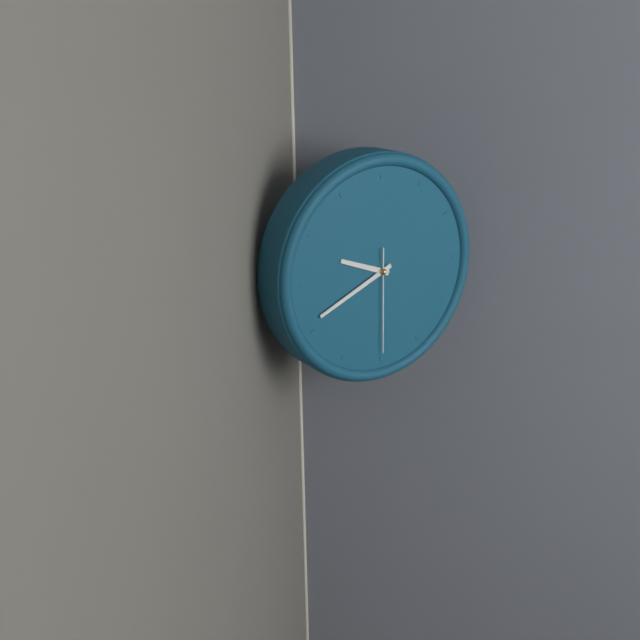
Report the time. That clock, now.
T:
9:41:30
